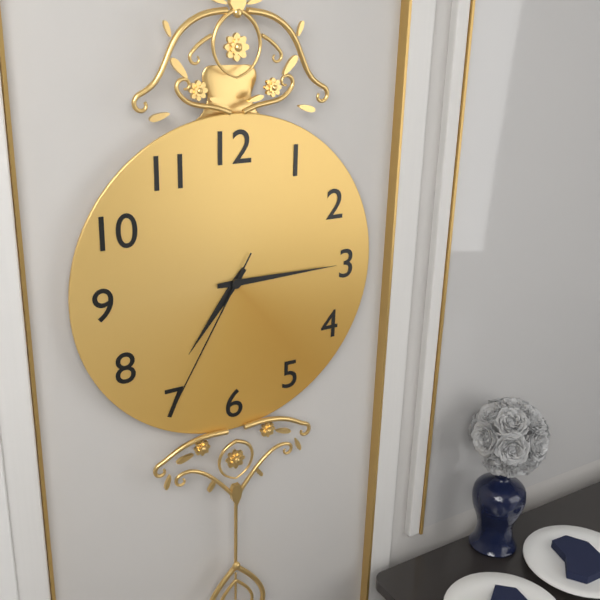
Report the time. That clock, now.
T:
7:15:35
